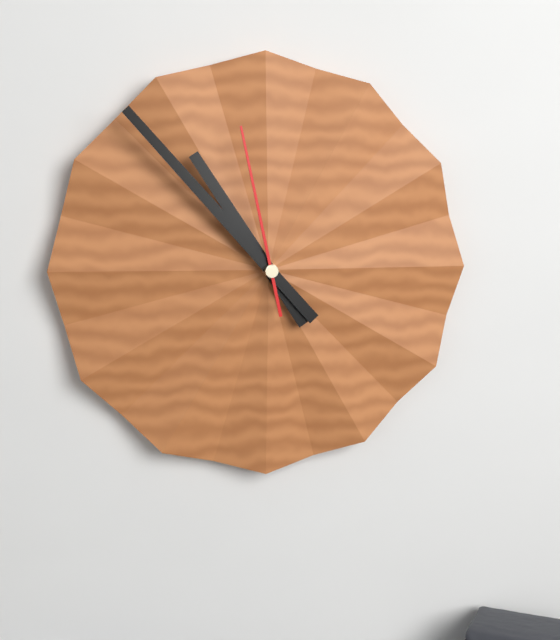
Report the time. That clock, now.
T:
10:53:58
